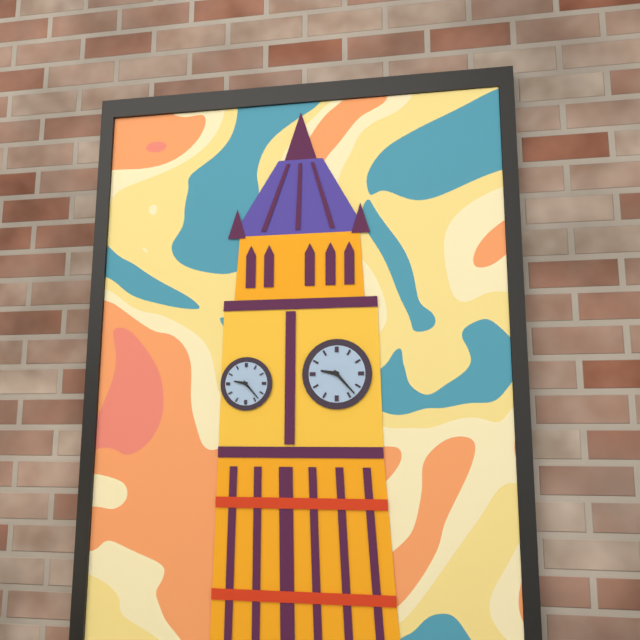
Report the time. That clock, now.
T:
9:23
